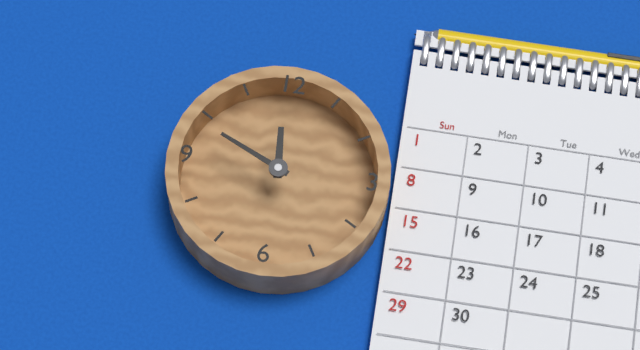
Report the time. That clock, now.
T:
11:49
